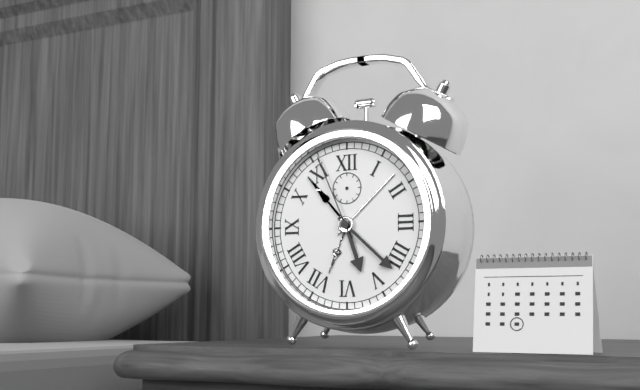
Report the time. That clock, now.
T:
5:22:56
